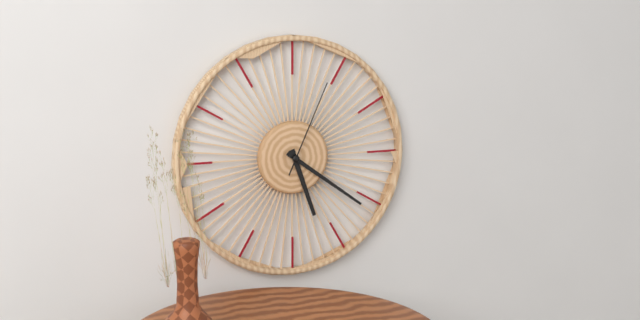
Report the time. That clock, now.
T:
5:21:04
